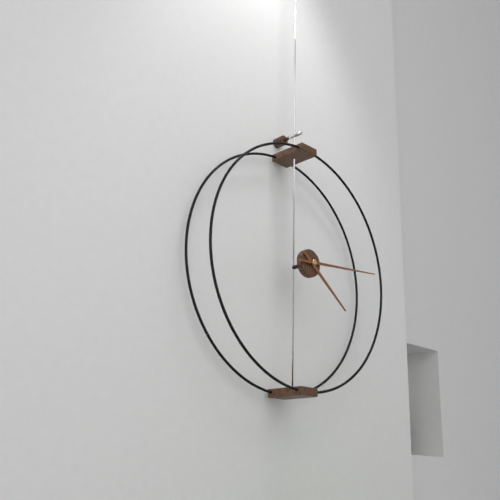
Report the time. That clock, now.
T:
4:14
